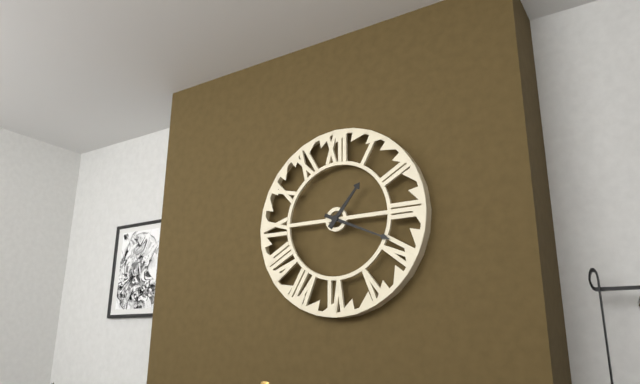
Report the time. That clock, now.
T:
1:19
